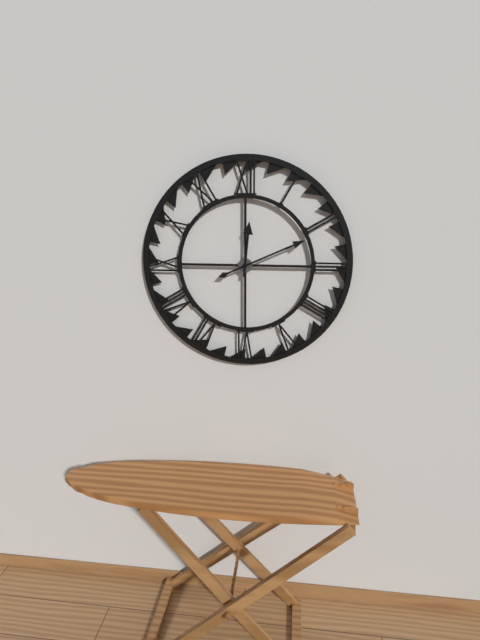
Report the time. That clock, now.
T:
12:11
